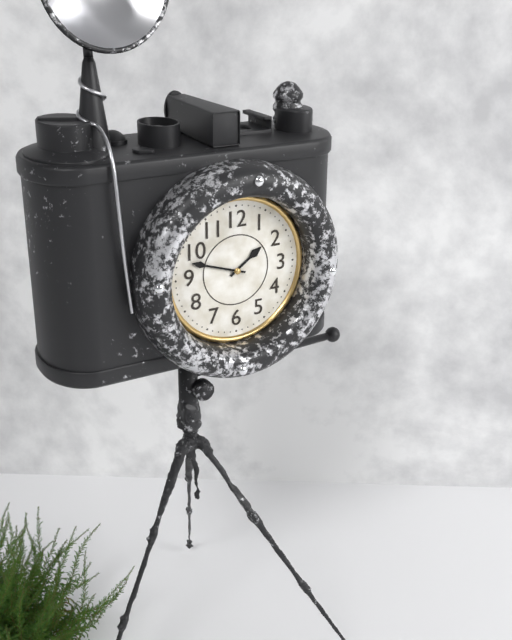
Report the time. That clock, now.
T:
1:48
